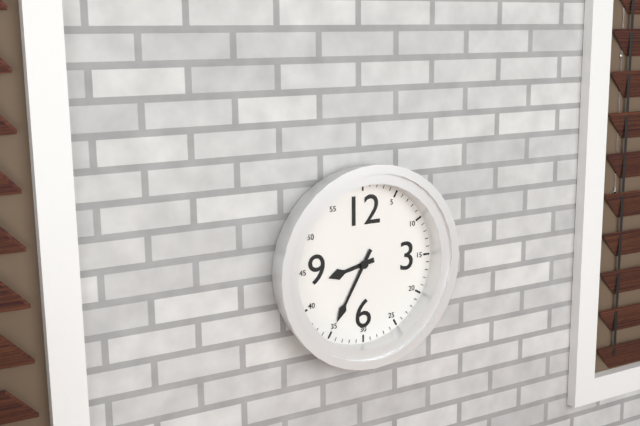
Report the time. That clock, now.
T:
8:35
